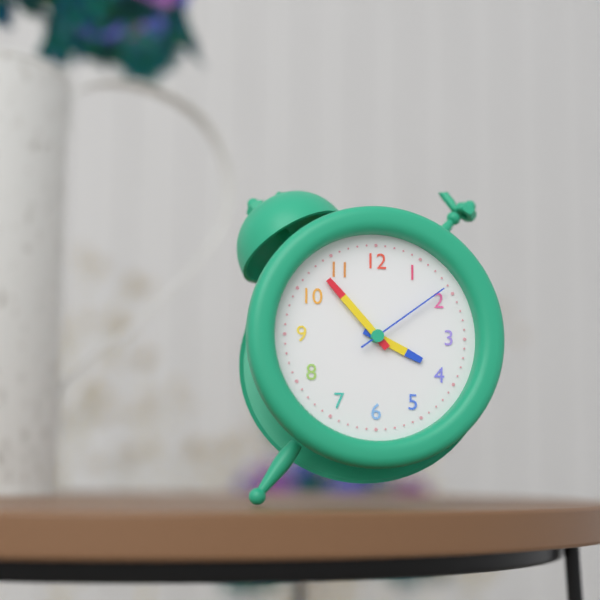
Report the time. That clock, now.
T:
3:53:09
